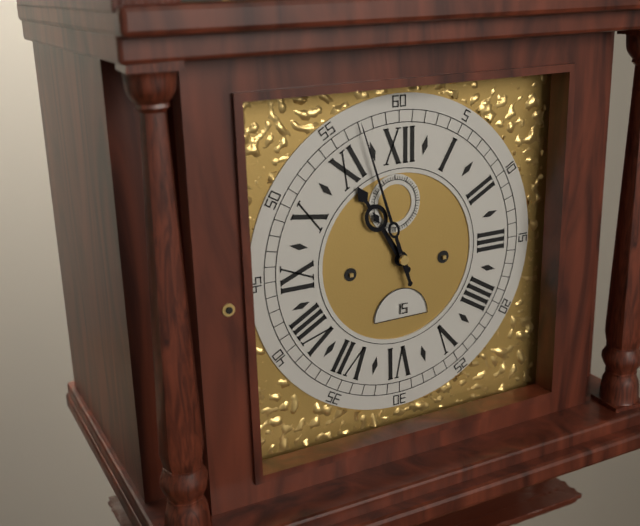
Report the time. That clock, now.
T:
10:57
